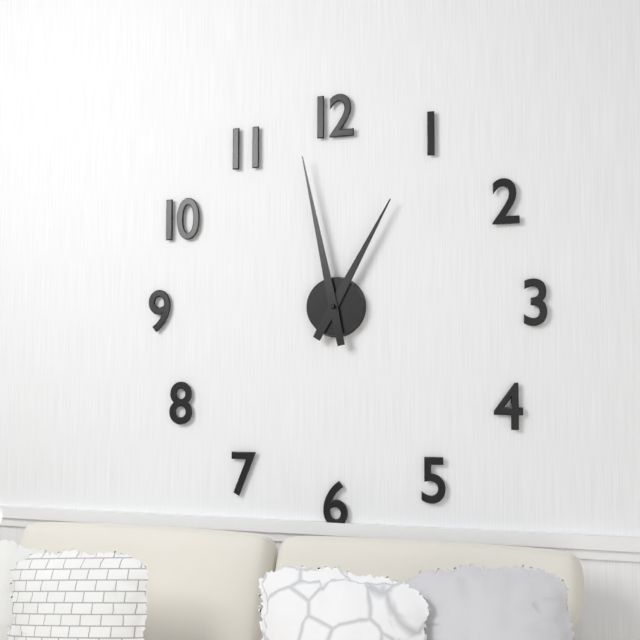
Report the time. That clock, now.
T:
12:58
